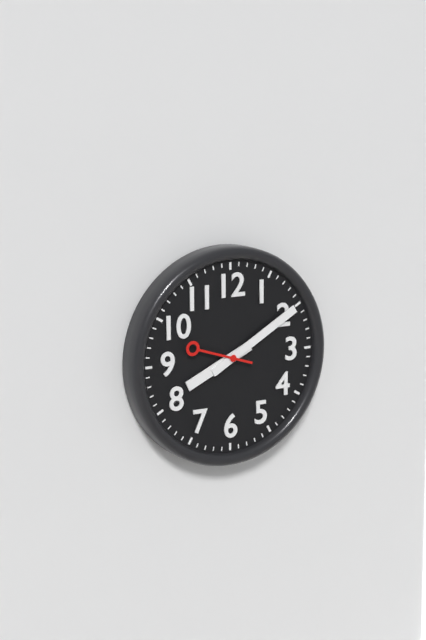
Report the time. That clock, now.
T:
8:10
